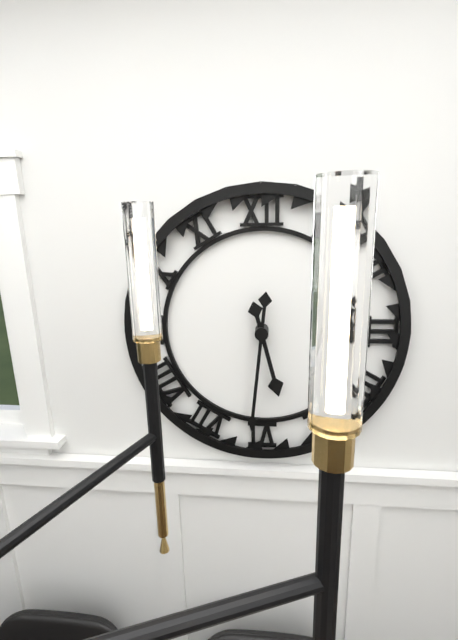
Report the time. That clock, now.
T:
5:31
